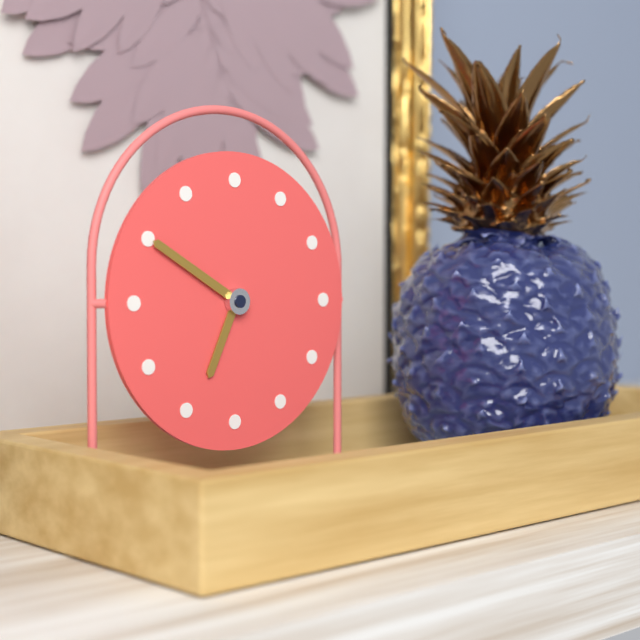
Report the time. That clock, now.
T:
6:50
